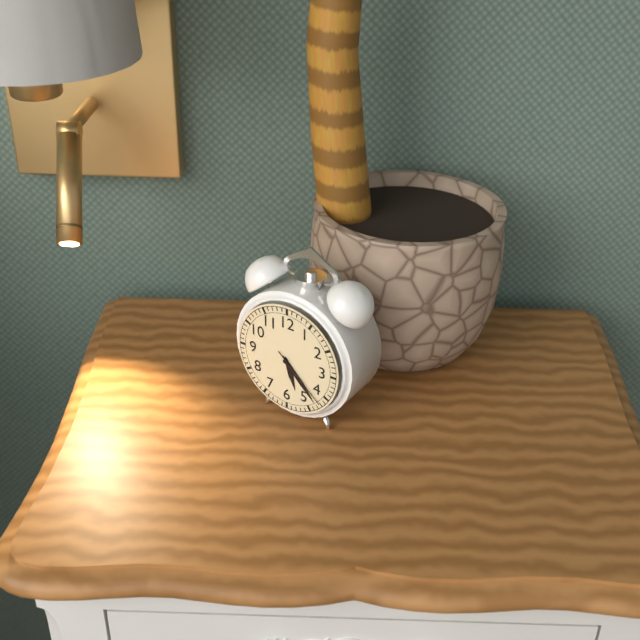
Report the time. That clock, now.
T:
5:23:22
